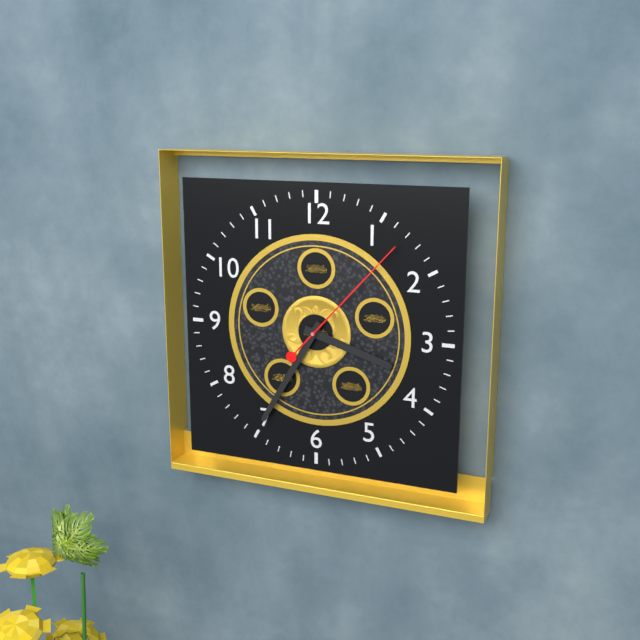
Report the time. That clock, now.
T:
3:35:07
